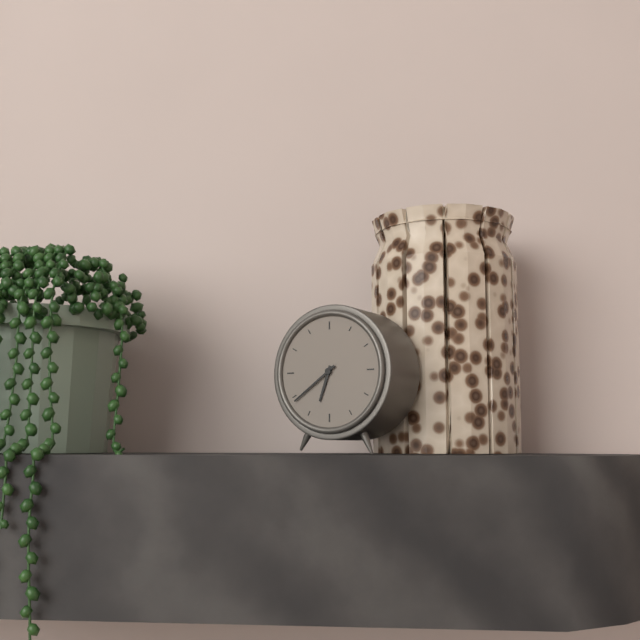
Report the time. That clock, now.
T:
6:39
